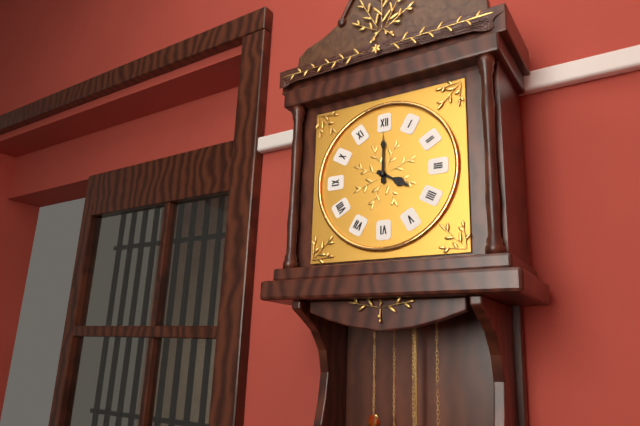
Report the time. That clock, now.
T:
4:00
